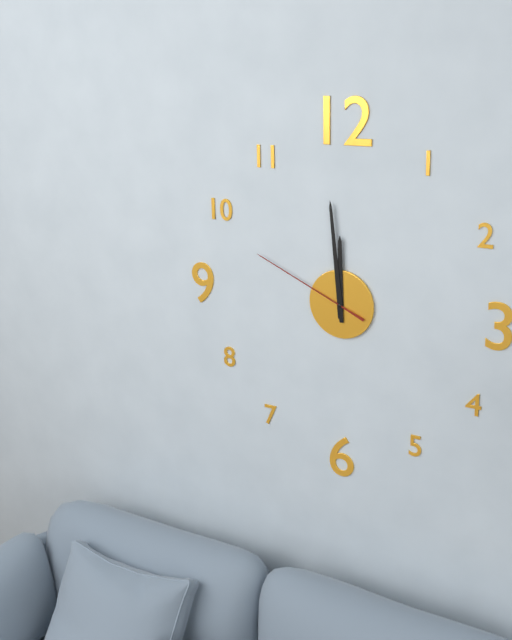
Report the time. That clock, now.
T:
11:59:49
